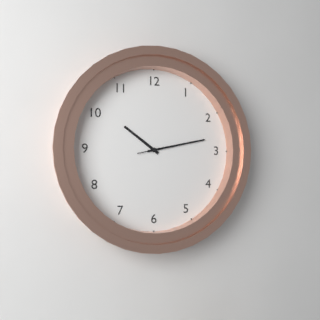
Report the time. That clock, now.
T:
10:13:13
